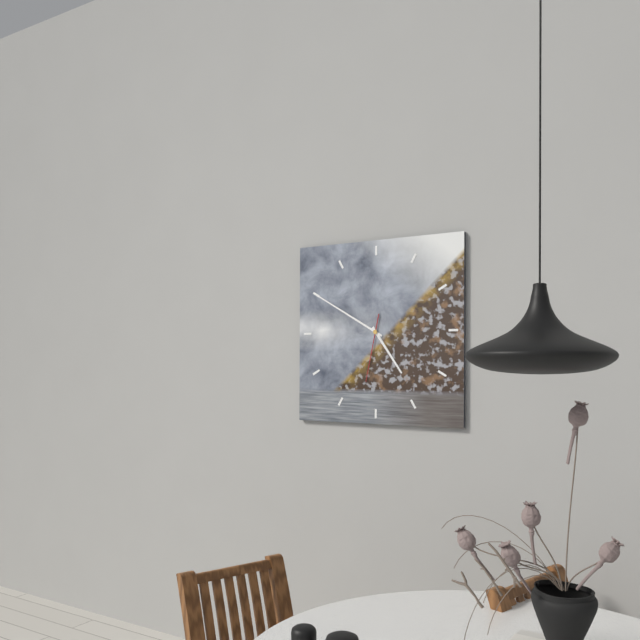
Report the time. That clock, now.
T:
4:50:32
